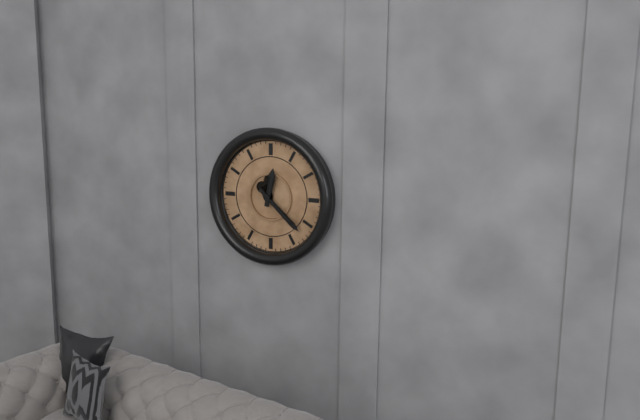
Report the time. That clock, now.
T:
12:22
